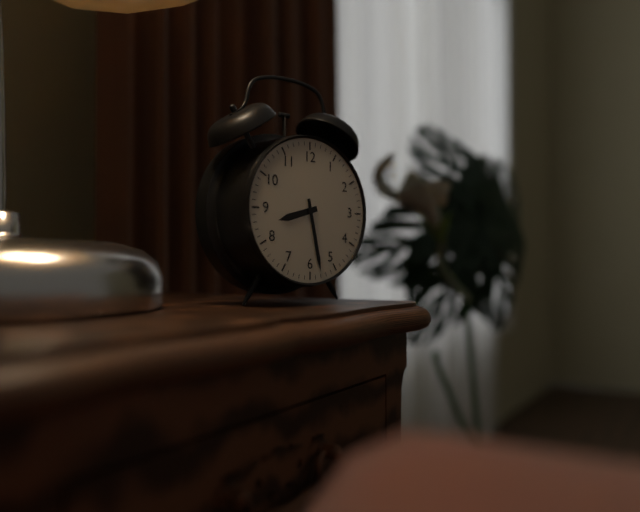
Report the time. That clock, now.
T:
8:28
